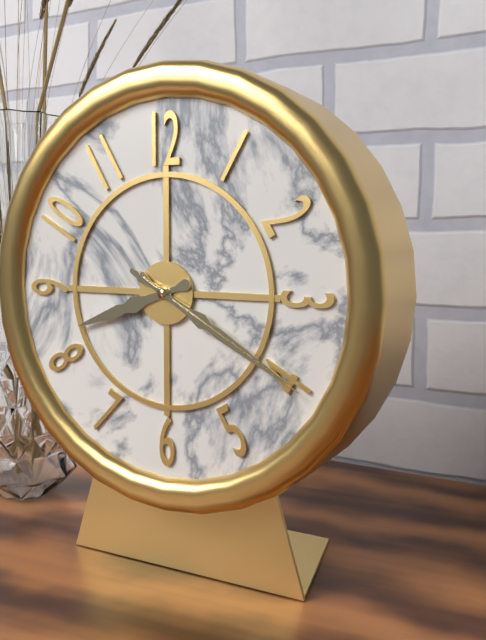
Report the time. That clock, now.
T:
8:20:20
